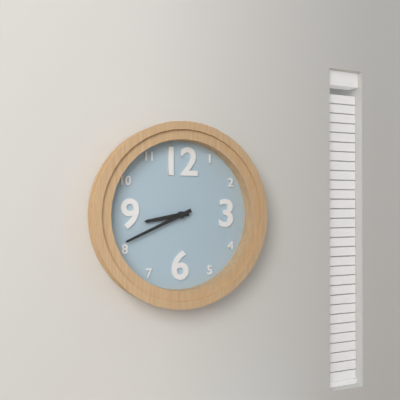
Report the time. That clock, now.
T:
8:41
